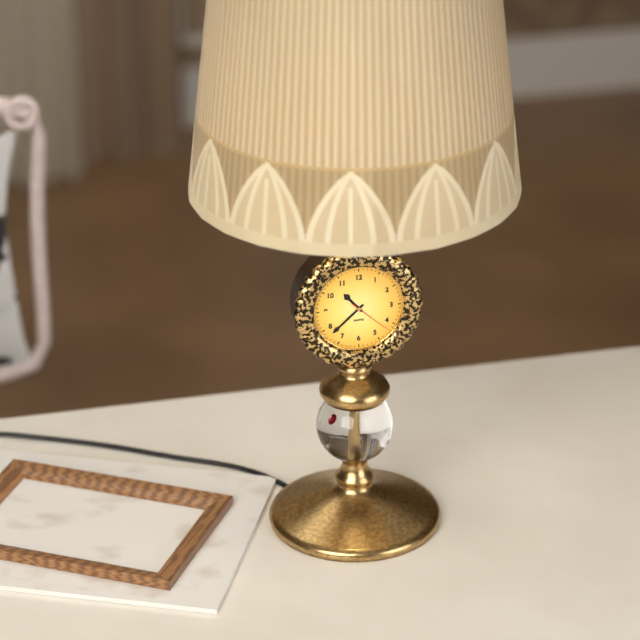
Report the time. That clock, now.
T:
10:38
